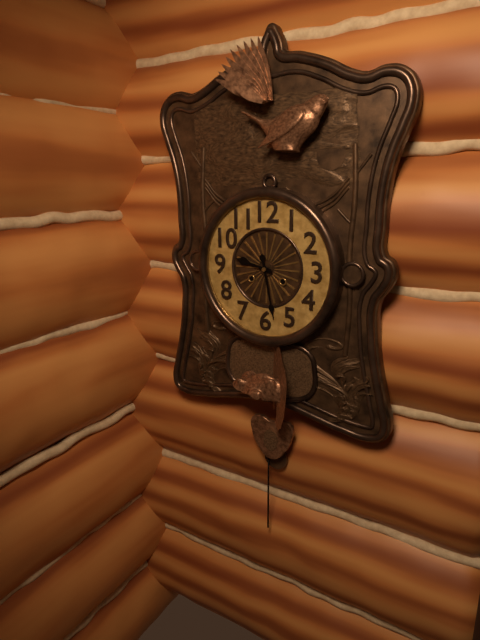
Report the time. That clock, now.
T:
9:28
